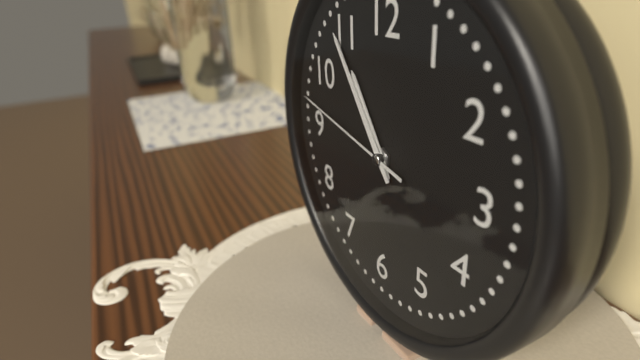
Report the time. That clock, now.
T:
10:54:47
